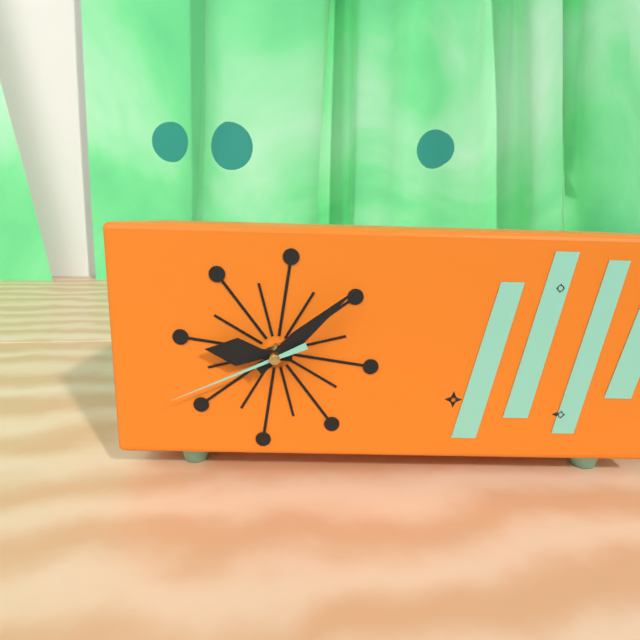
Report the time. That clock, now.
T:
9:08:41
